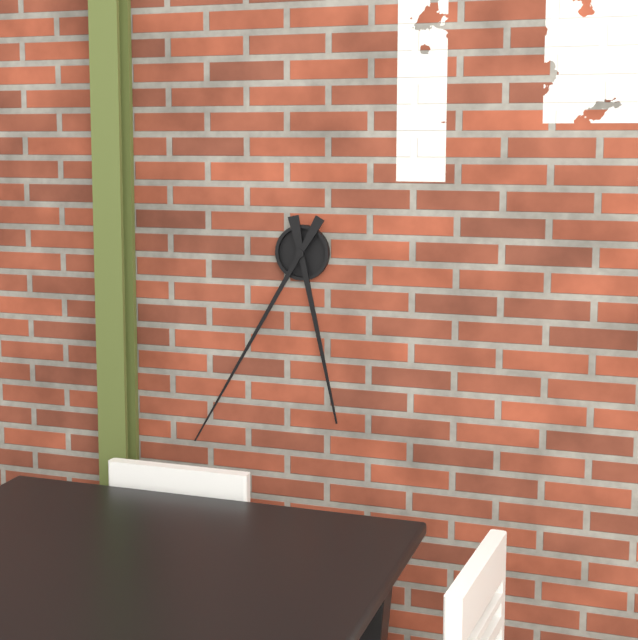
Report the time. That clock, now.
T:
5:35
